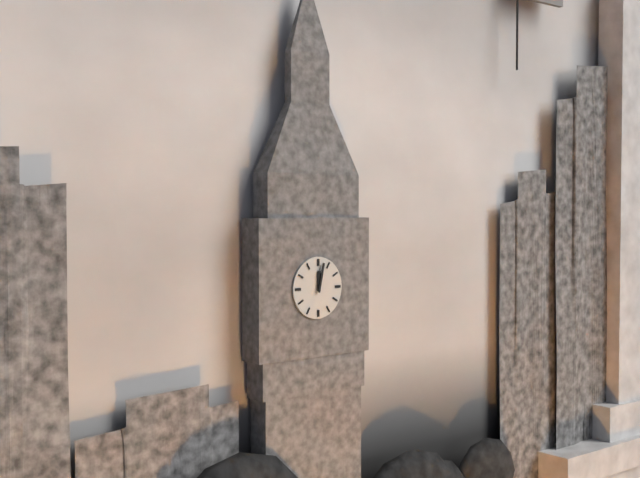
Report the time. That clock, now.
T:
12:02
